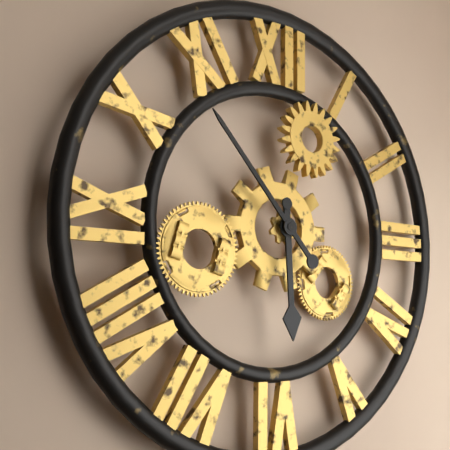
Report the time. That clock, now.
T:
5:53
